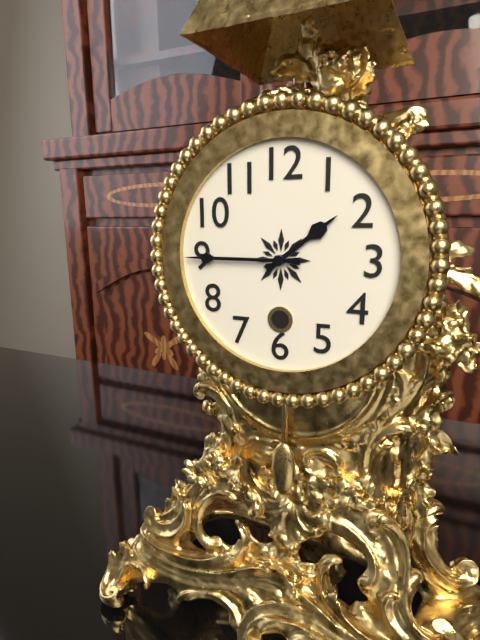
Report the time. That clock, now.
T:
1:45
